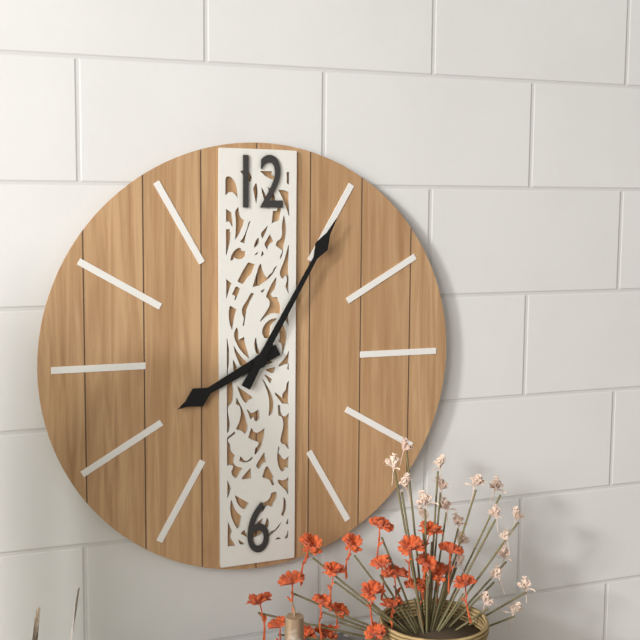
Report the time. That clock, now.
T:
8:05
